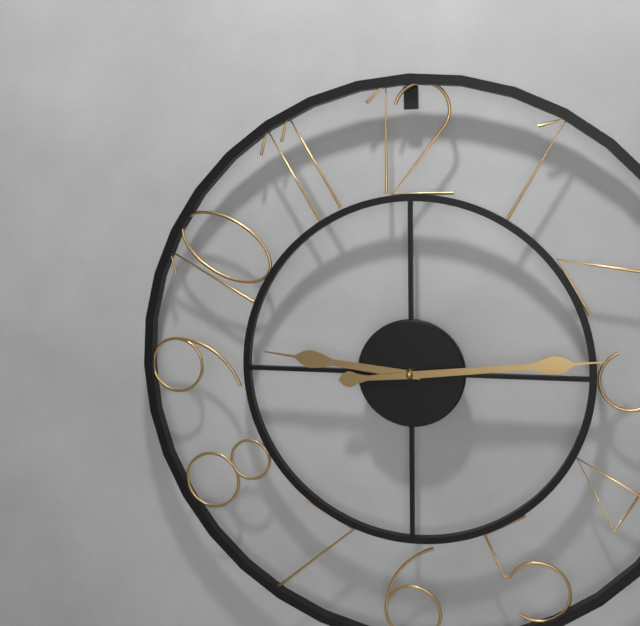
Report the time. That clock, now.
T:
9:14
